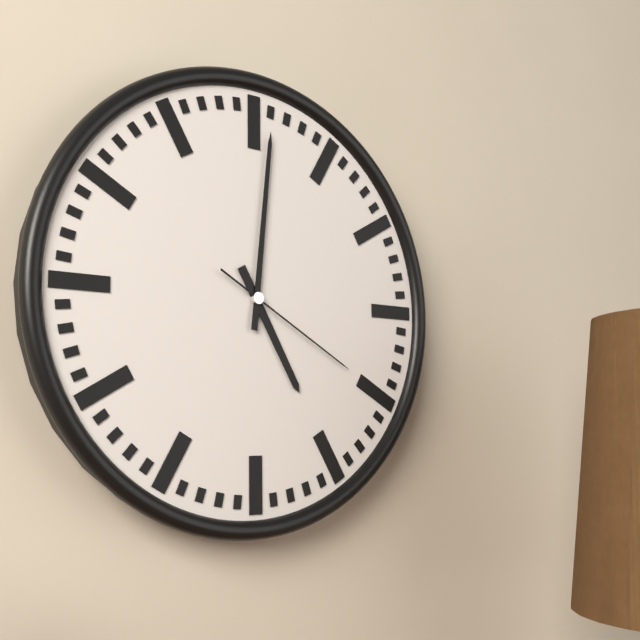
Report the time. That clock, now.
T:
5:01:20
